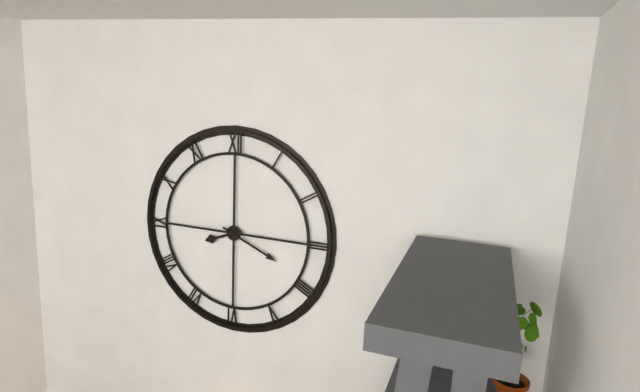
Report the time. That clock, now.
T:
8:19
